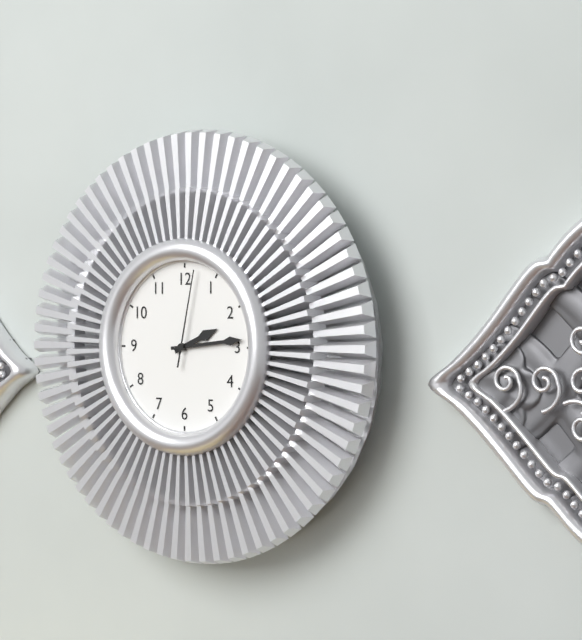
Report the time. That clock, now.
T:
2:14:02
